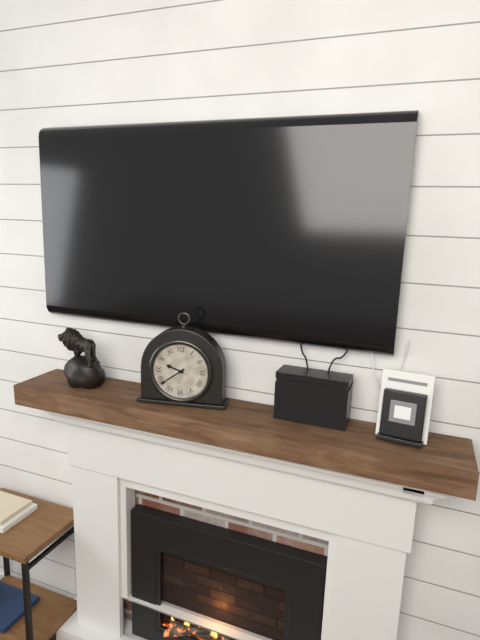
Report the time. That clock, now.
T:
9:39
